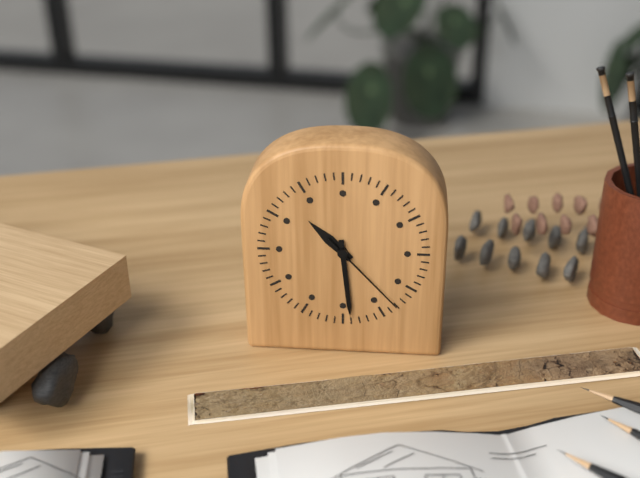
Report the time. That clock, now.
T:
10:29:23
